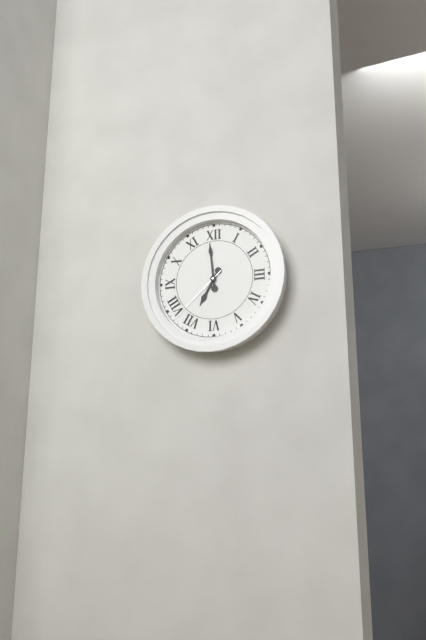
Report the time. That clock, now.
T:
6:59:38
